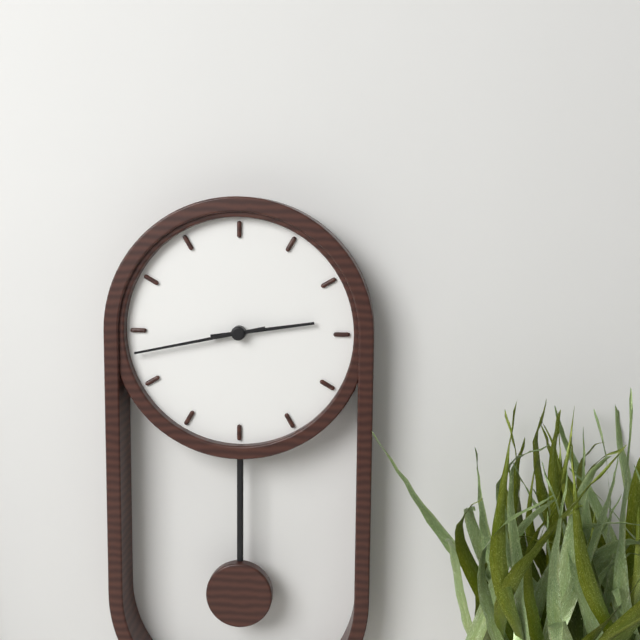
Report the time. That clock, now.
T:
2:43
